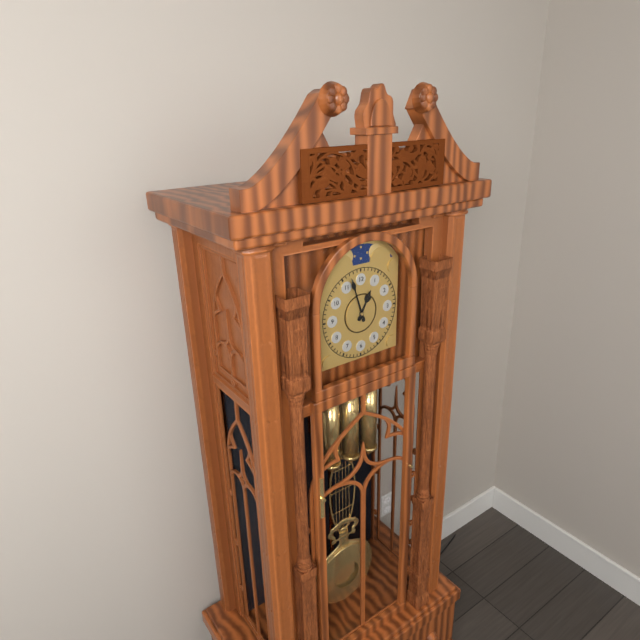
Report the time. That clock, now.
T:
12:57
